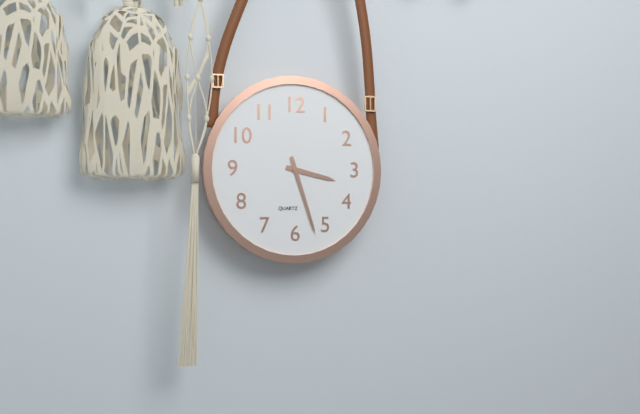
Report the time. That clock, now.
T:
3:27
